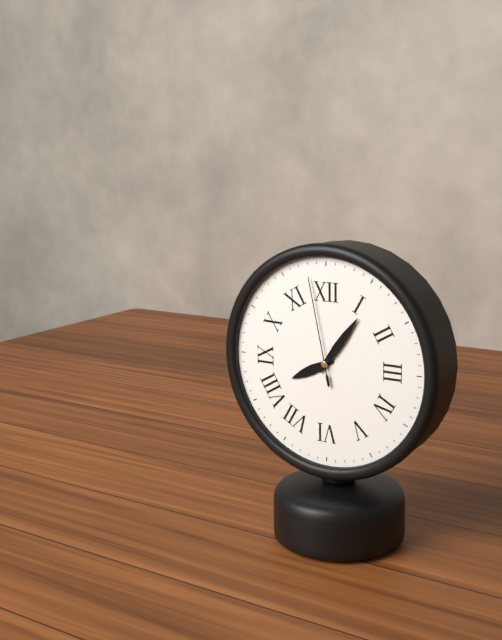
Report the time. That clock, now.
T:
8:06:58
